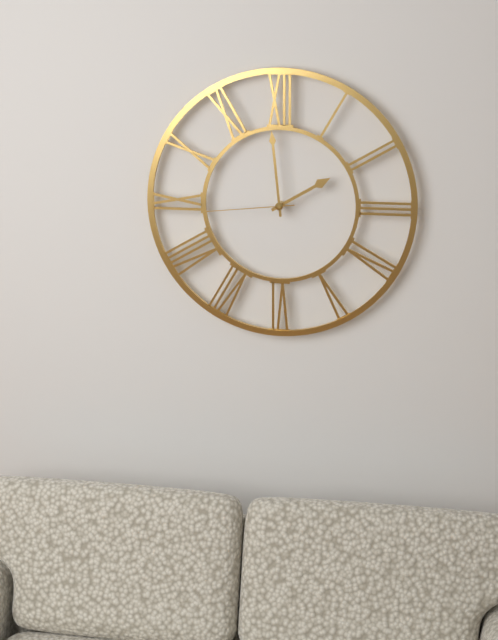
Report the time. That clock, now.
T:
1:59:44
